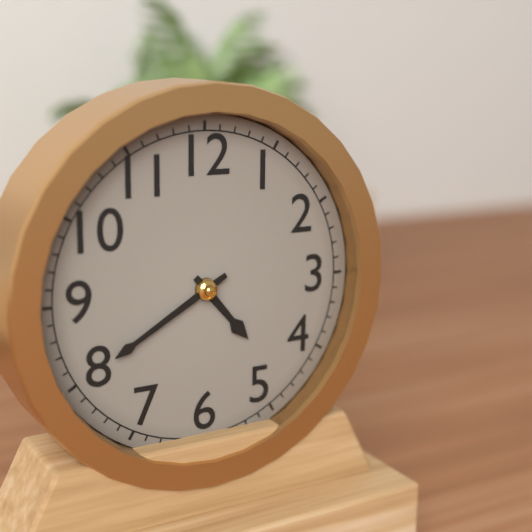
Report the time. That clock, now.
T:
4:40
